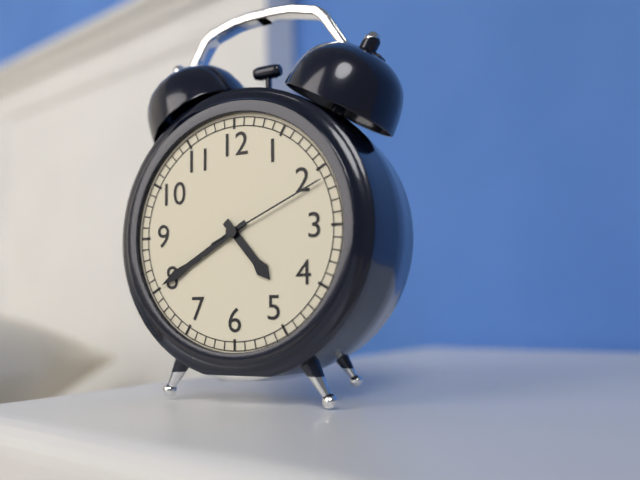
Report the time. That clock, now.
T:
4:40:11
